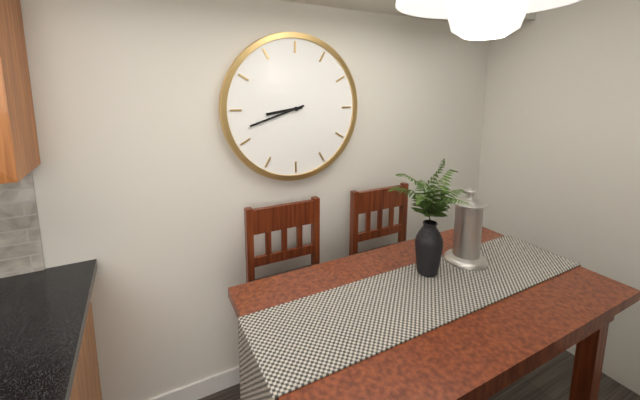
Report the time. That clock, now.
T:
8:42
